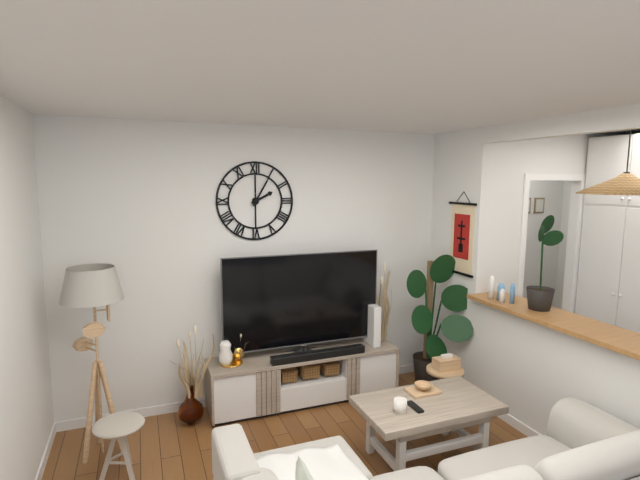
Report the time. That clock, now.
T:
2:05
